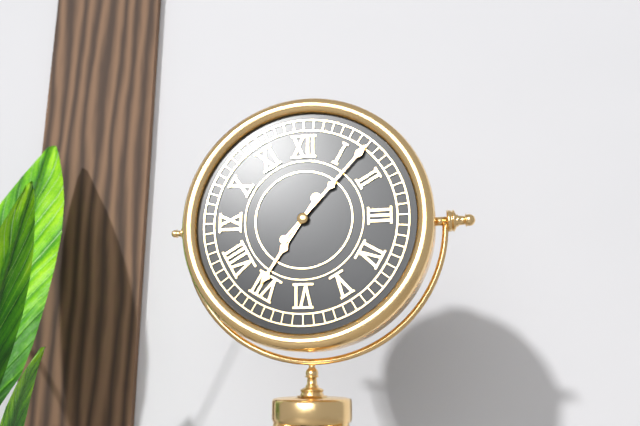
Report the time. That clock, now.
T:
7:07
